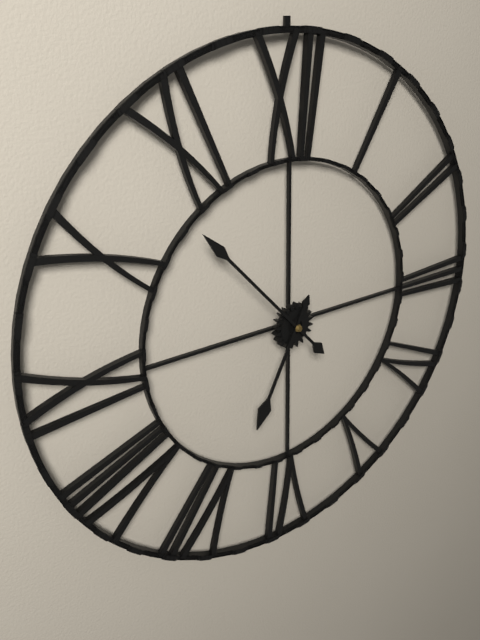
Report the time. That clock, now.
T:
6:53
